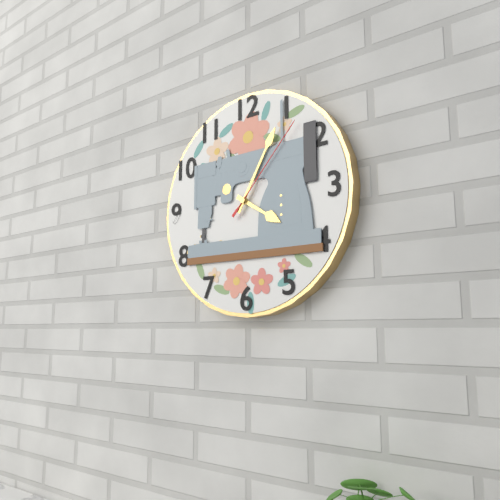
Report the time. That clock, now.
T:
4:05:07
